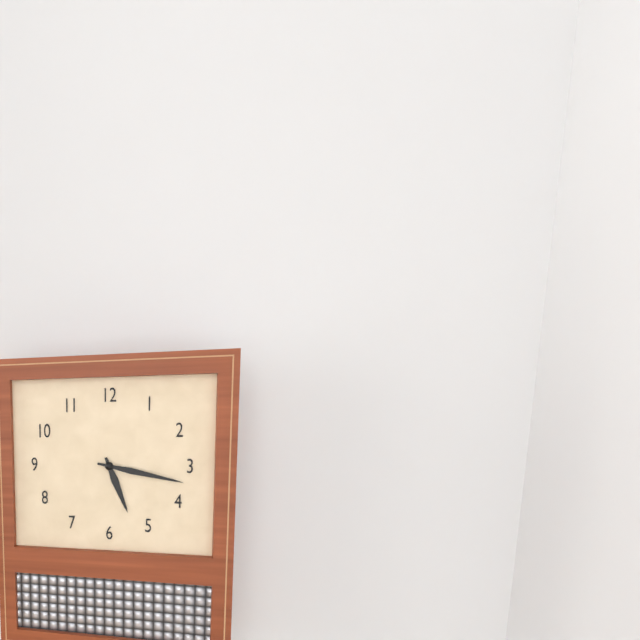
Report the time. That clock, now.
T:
5:17
